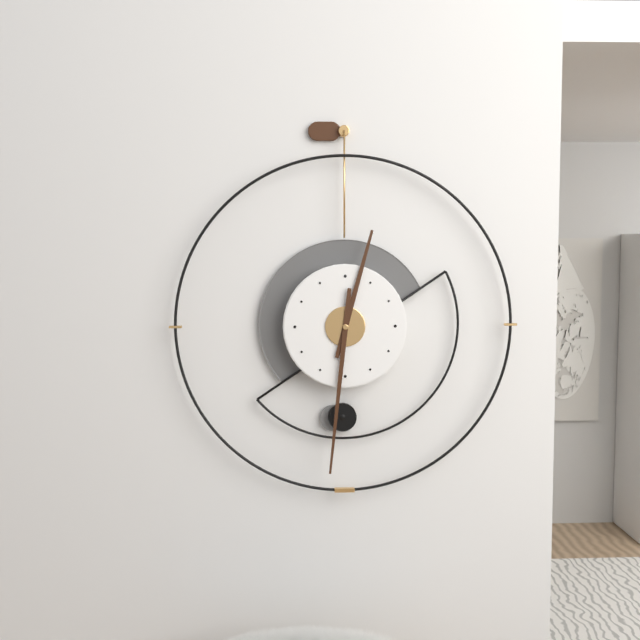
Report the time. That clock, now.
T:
12:31
